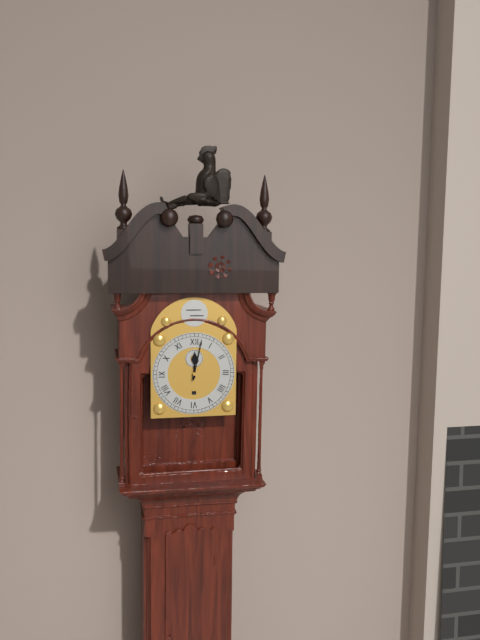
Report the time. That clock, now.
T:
12:02
